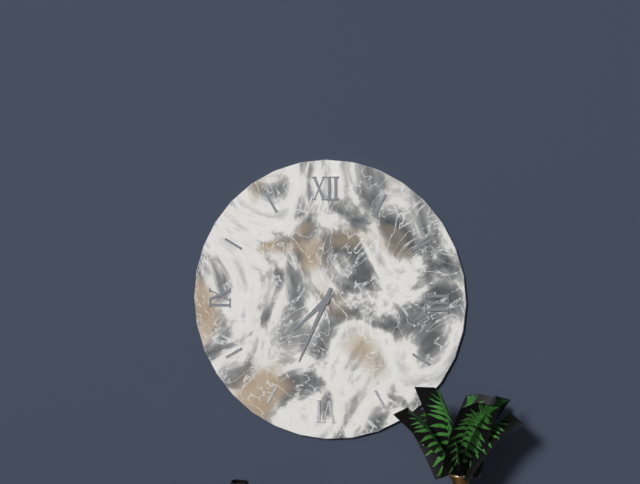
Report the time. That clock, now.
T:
7:34
